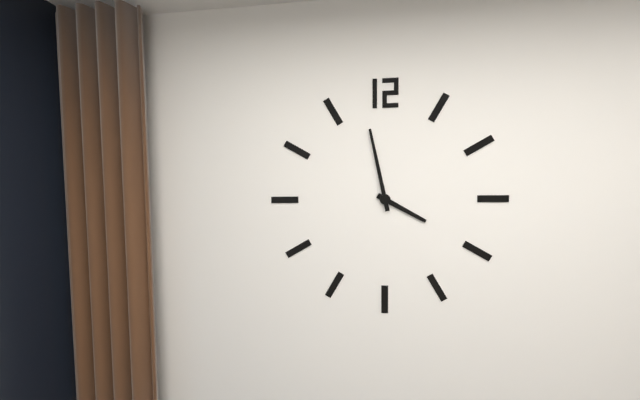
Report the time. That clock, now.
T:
3:58
